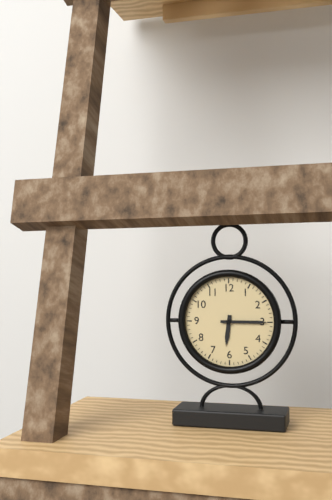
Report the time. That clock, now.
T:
6:15
